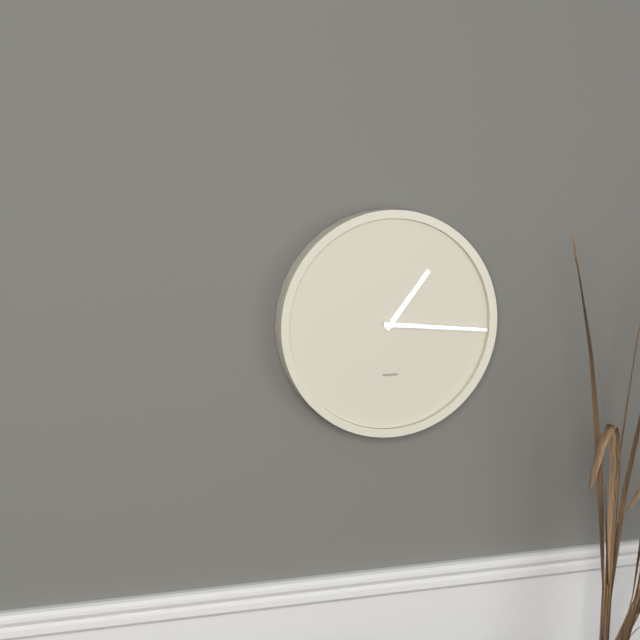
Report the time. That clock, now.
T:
1:16
